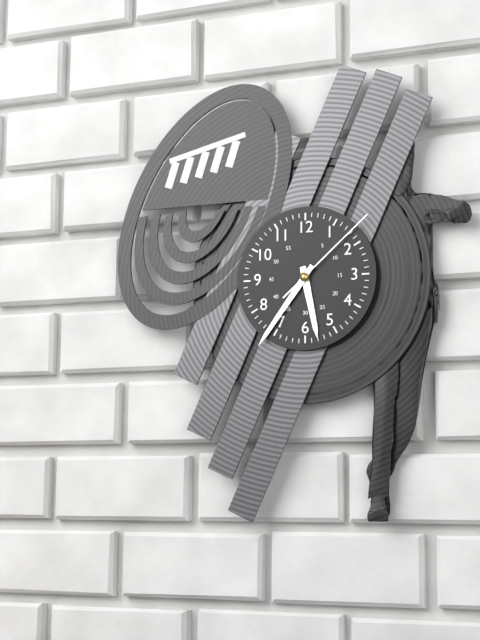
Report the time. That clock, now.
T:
5:36:08
